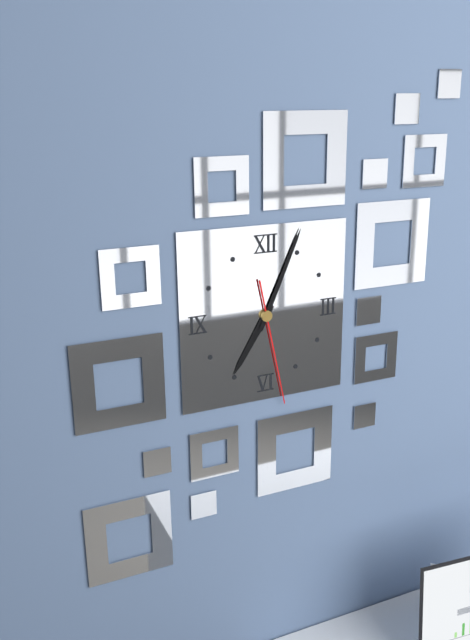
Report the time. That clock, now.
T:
7:04:28
